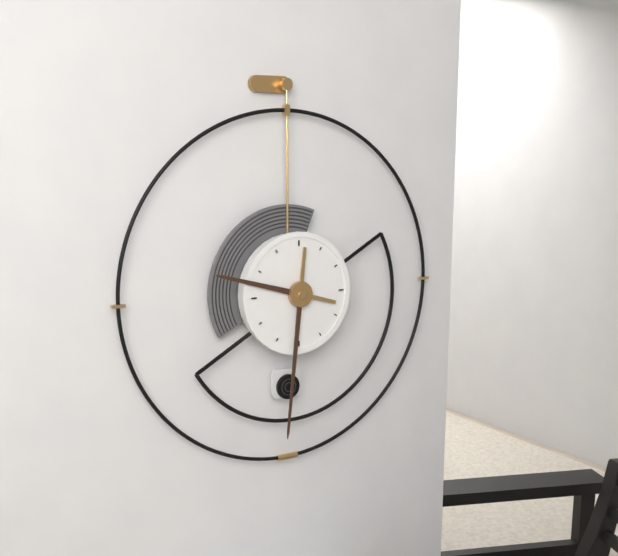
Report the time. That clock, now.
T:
9:31
